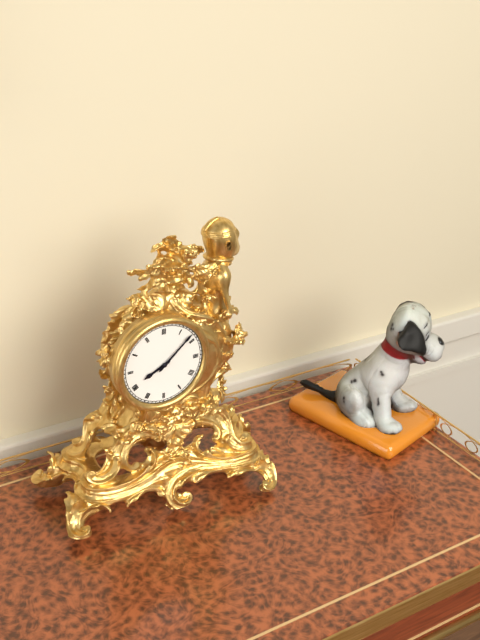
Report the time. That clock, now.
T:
8:08
